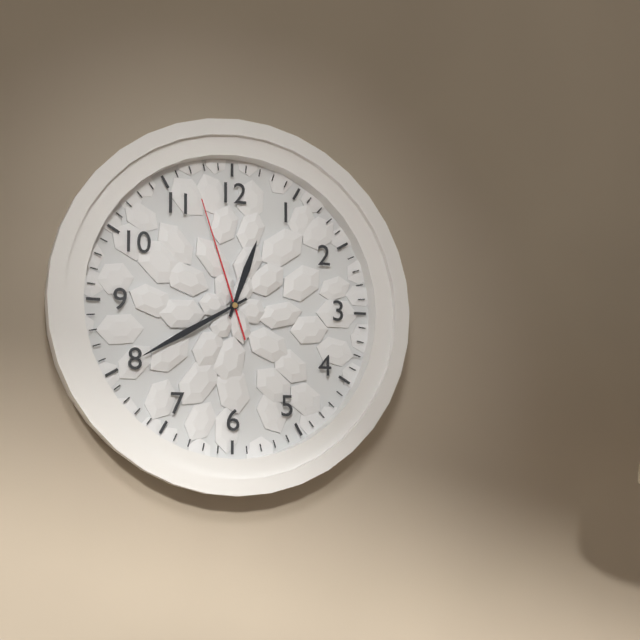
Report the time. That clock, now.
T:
12:40:57
